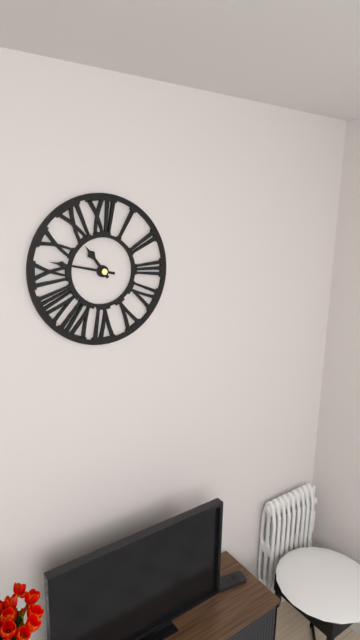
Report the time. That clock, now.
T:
10:47
